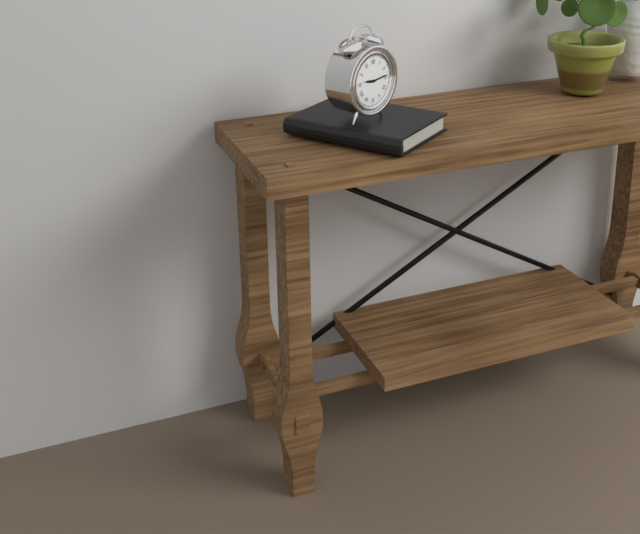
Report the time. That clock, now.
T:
9:14
